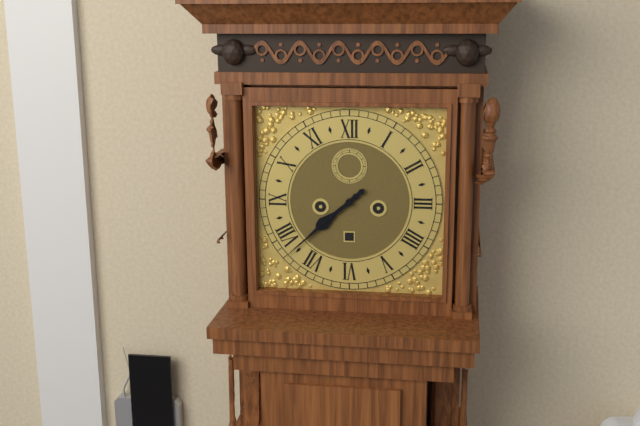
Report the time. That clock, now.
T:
7:38
